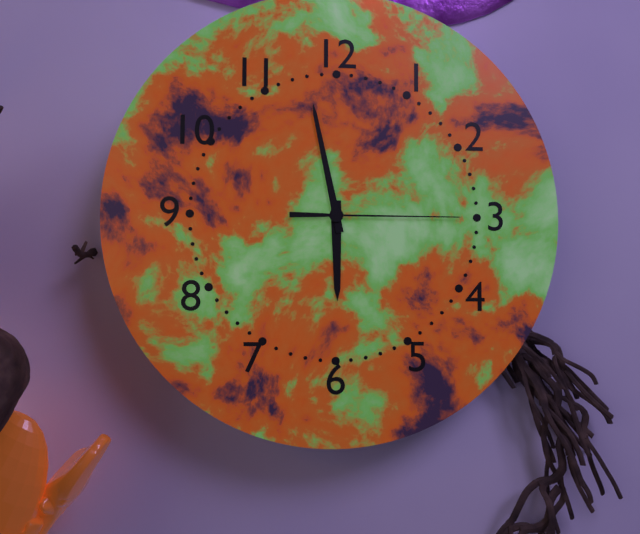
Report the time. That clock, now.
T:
5:58:15
